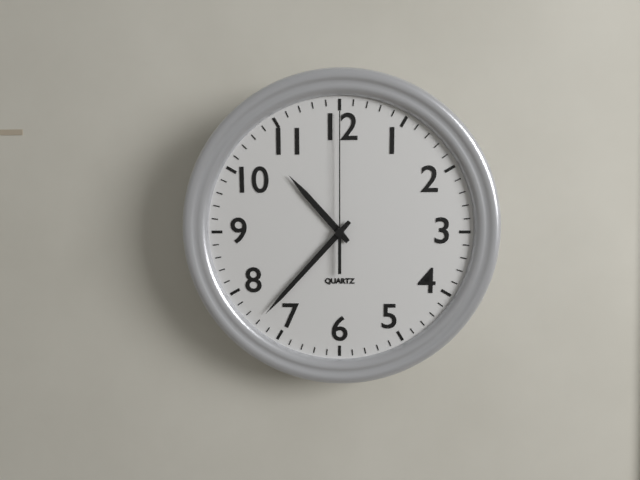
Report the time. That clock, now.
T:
10:37:00
